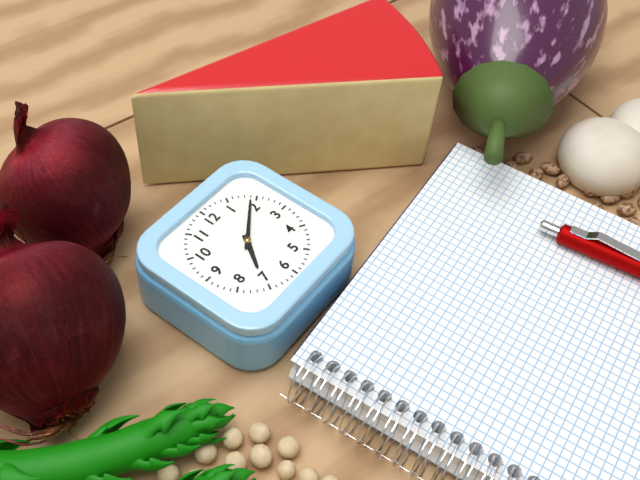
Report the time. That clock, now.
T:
7:09
